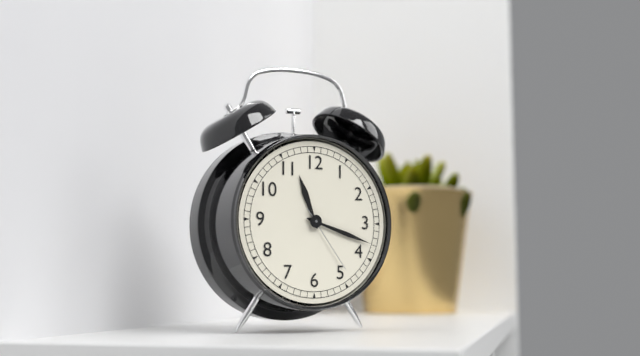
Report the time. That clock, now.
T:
11:18:24
